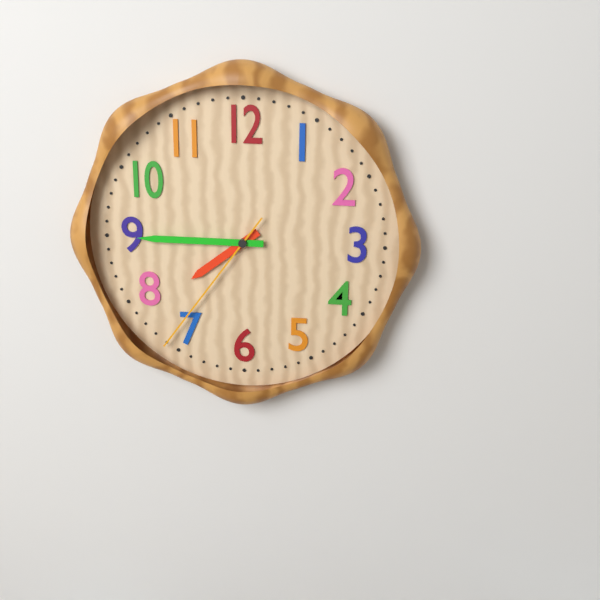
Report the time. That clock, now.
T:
7:45:36
